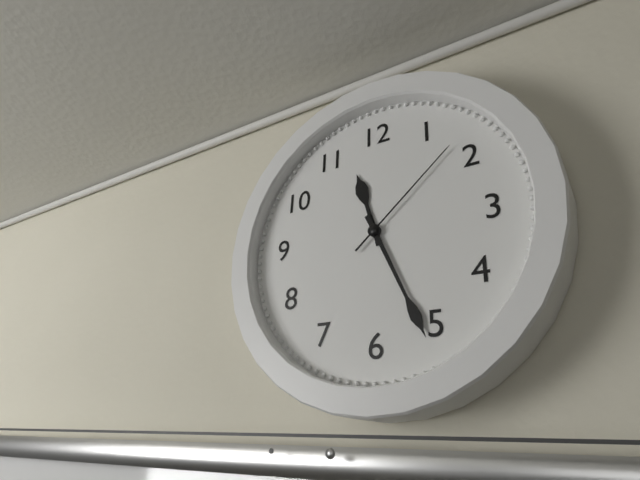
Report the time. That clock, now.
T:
11:26:08
